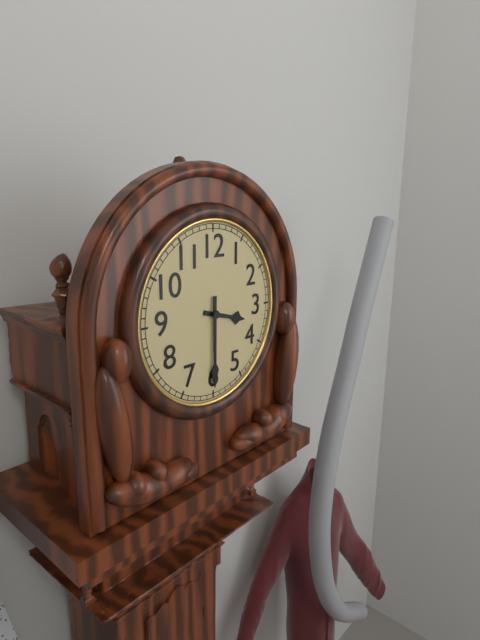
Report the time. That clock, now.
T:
3:30
